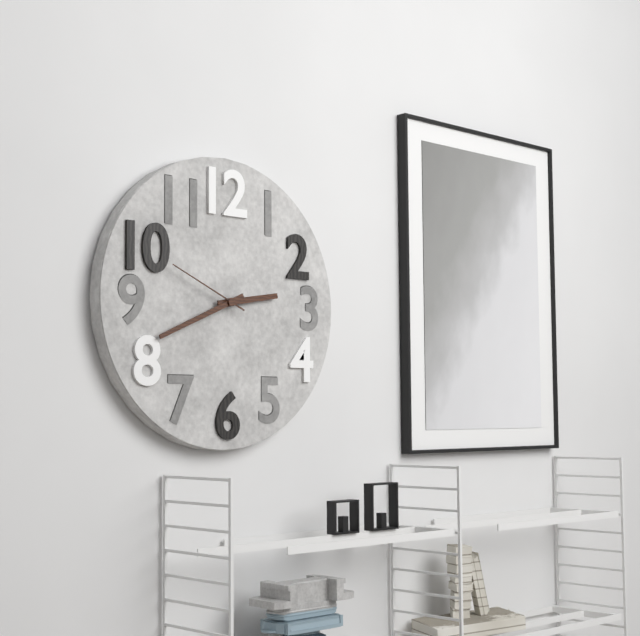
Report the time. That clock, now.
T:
2:41:49
